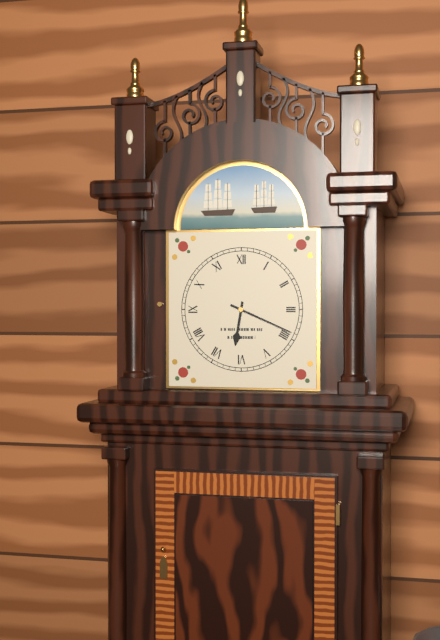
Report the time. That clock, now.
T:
6:19
